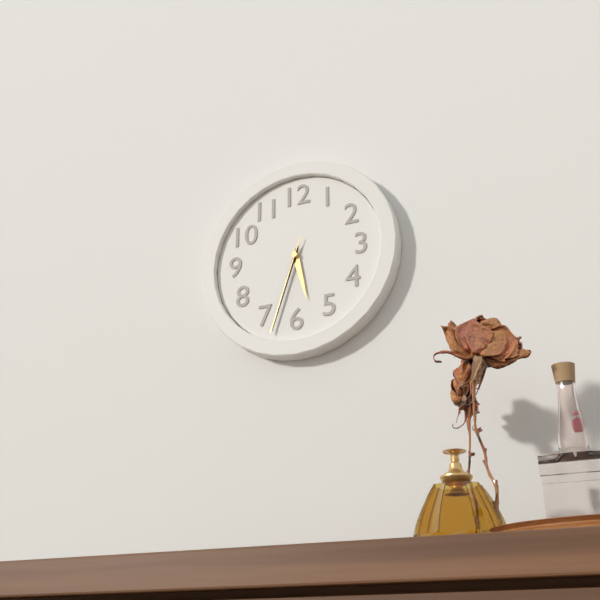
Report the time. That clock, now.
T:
5:33:33
